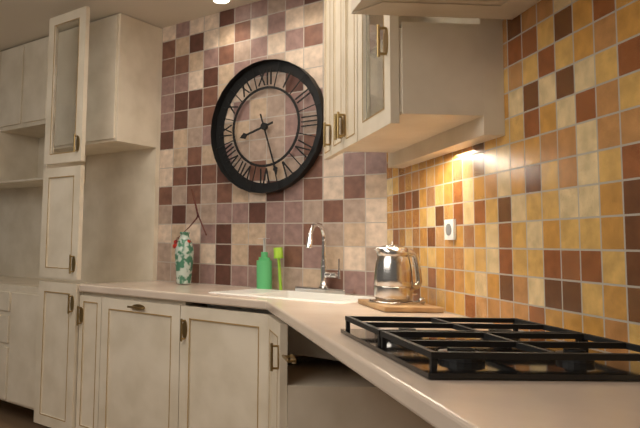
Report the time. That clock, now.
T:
8:27
